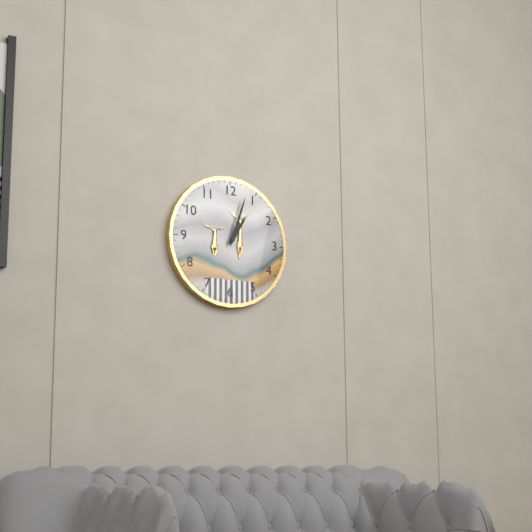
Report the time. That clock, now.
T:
1:03
